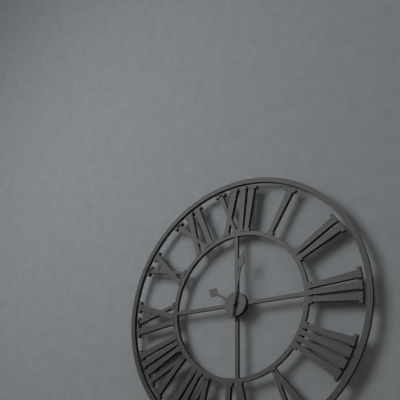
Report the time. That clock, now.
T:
10:02
